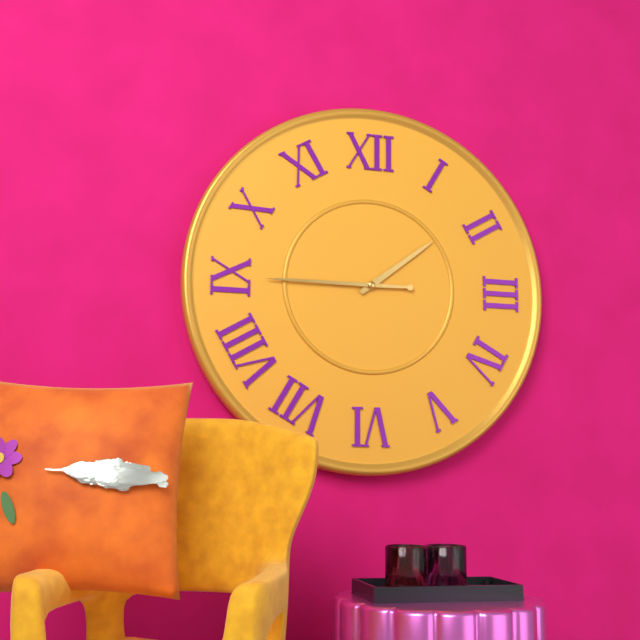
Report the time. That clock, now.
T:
1:45
